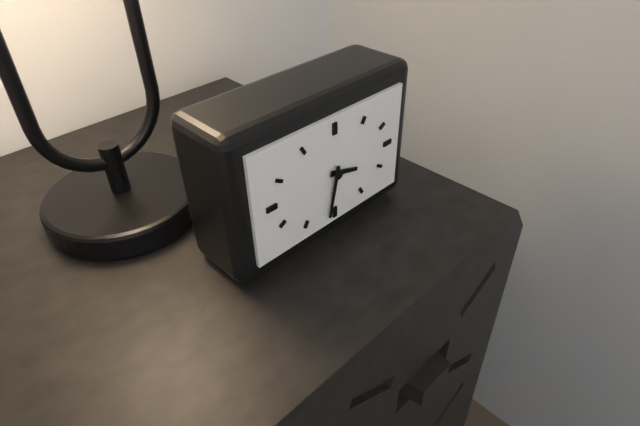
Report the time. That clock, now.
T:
3:32
